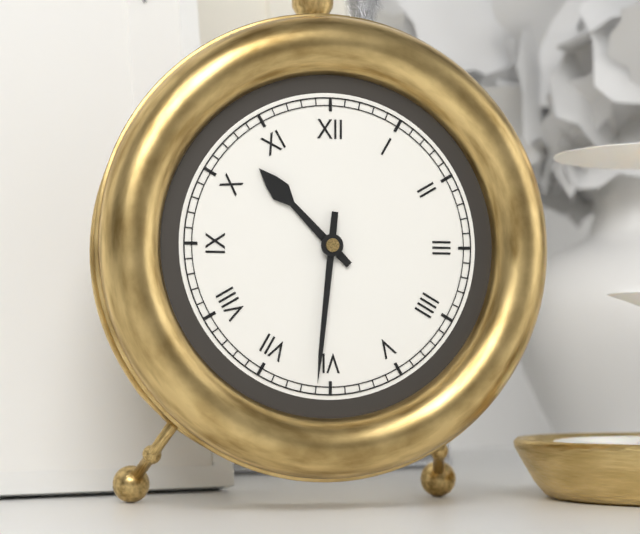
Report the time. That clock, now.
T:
10:31
